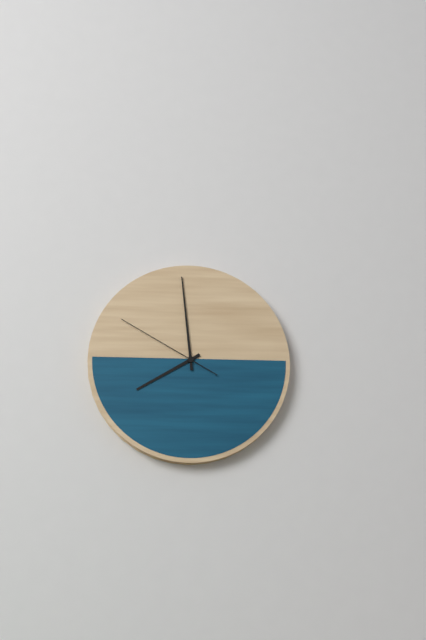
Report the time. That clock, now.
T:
7:59:50
